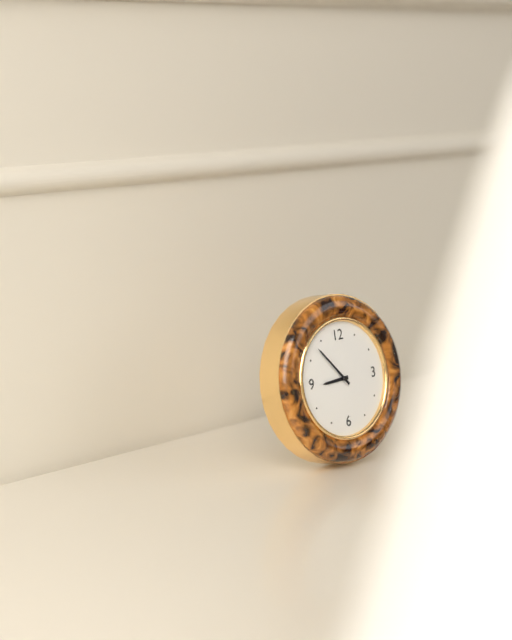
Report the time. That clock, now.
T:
8:53
